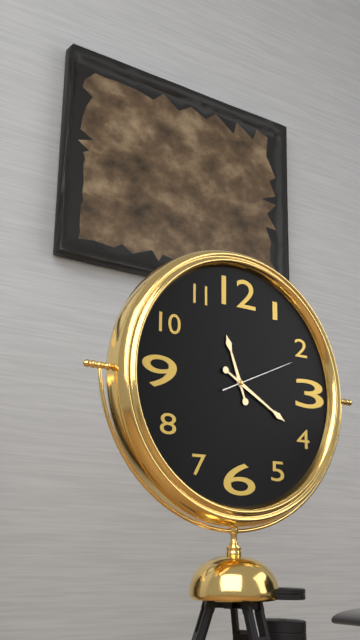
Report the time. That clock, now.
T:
11:20:11
